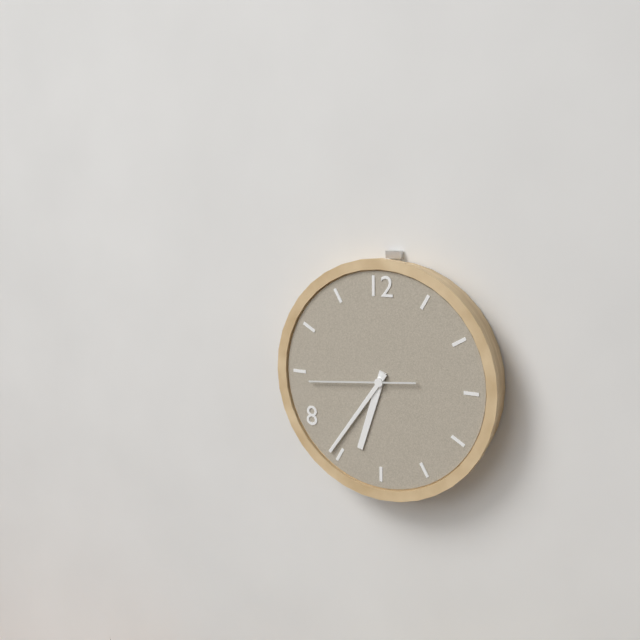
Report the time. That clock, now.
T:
6:36:44
